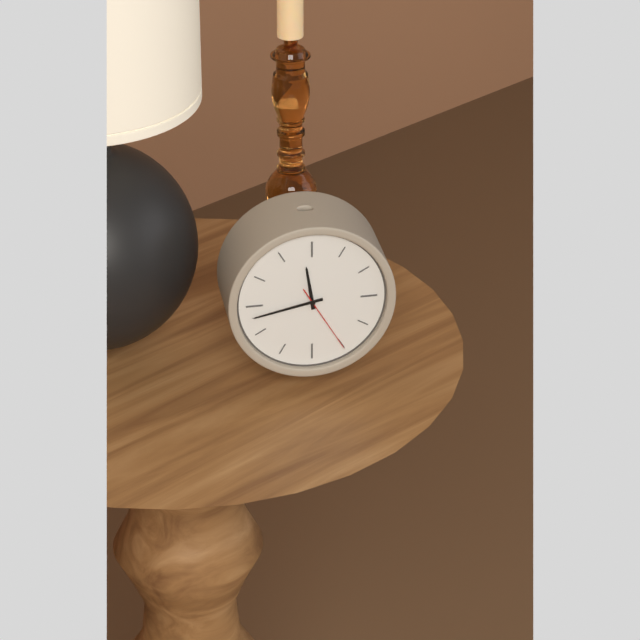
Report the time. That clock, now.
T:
11:43:25
